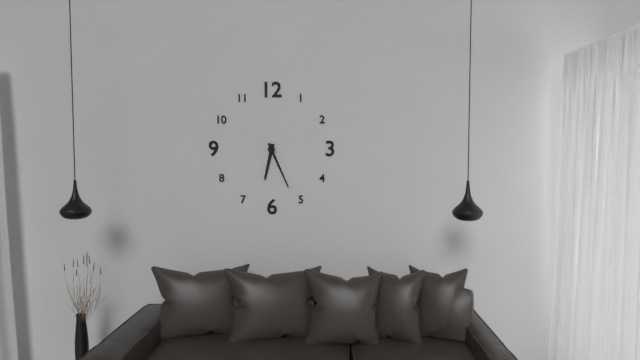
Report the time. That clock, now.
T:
6:26
